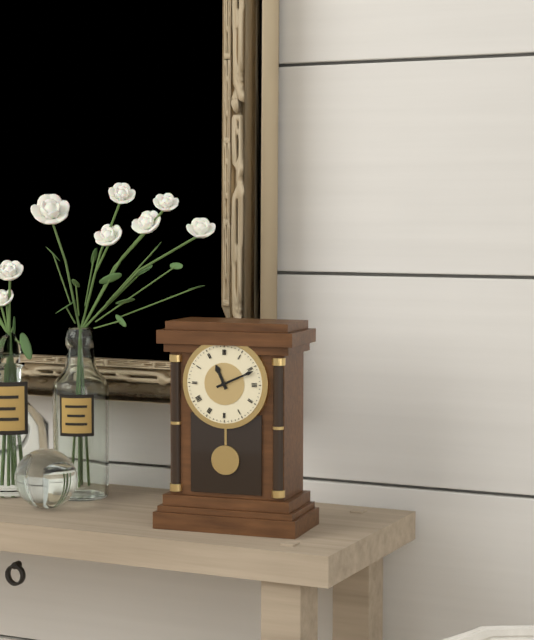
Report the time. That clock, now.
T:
11:11
